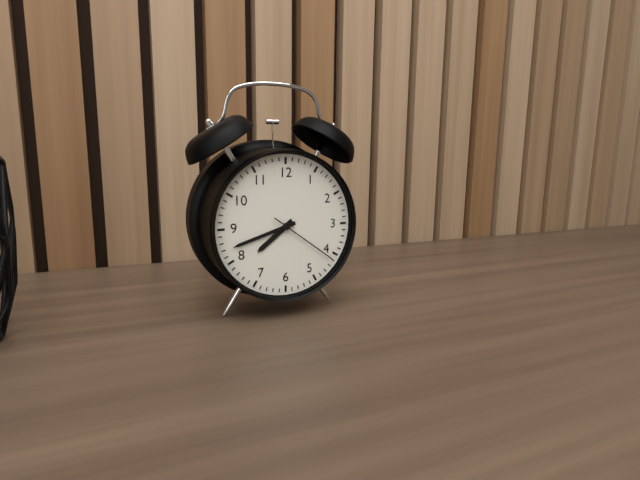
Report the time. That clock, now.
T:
7:42:21
